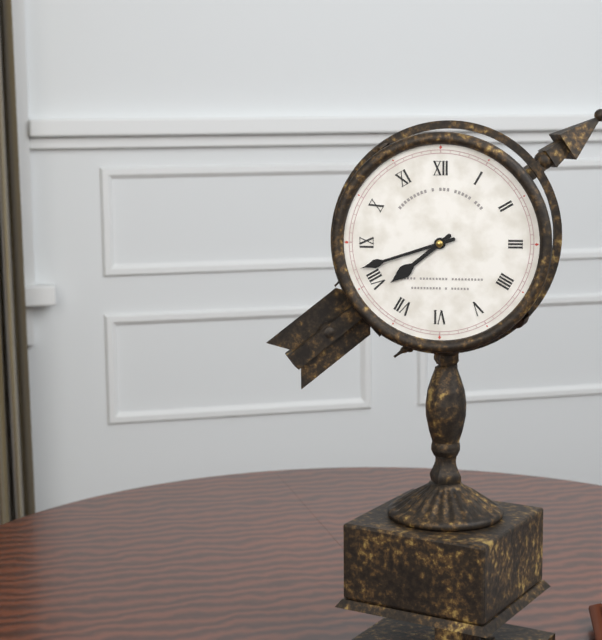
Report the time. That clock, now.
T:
7:42
